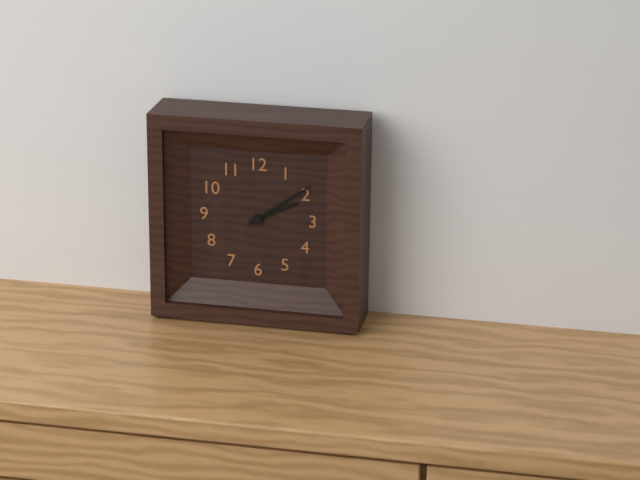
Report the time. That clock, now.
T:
2:09
